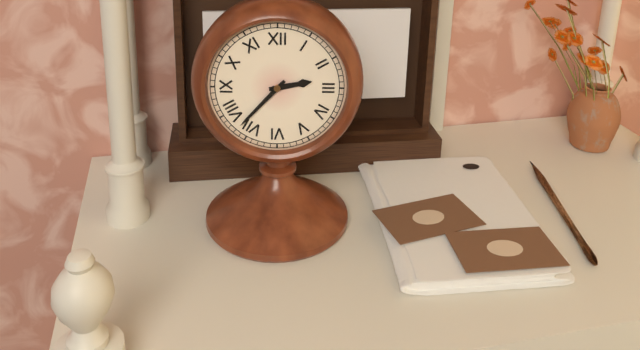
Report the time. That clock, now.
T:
2:37
